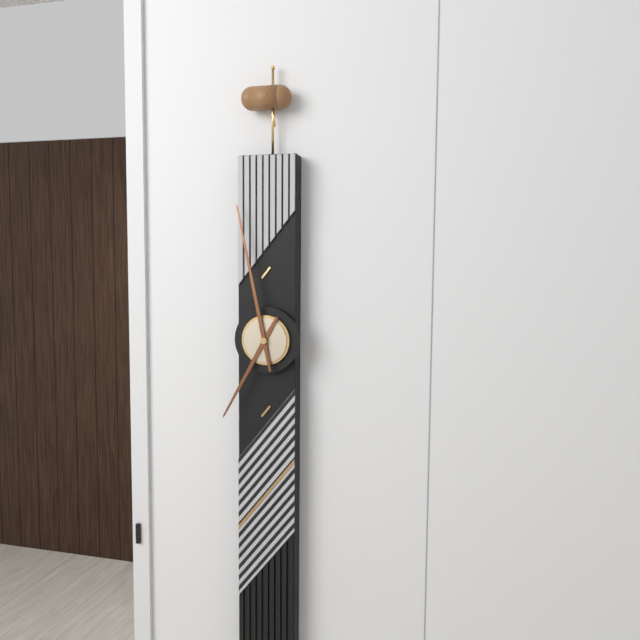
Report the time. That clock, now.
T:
6:58
